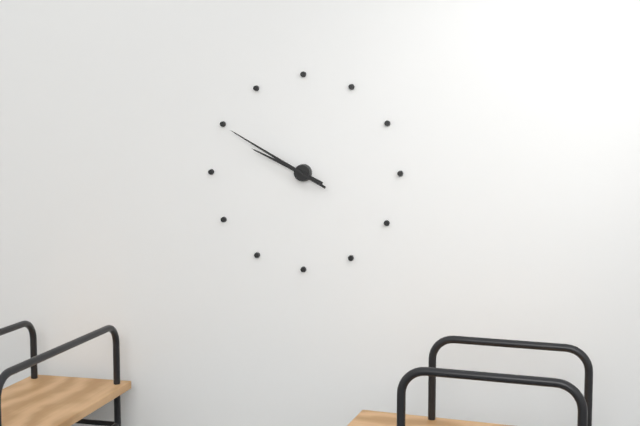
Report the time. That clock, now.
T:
9:50
